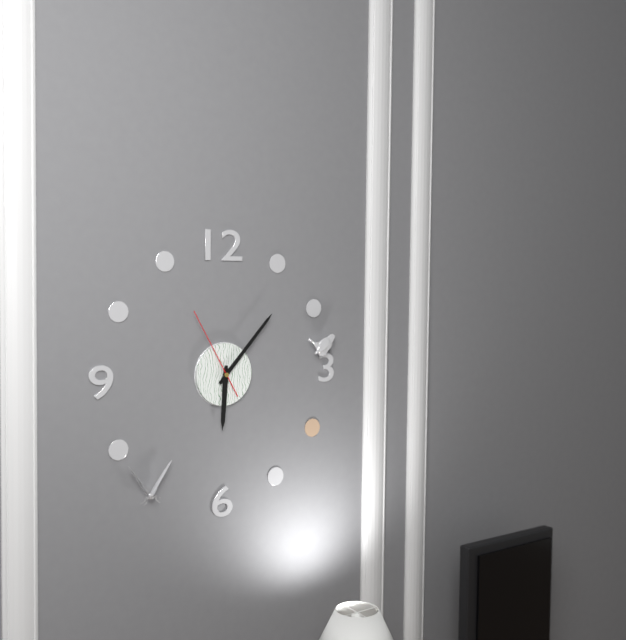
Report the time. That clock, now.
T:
6:07:55
